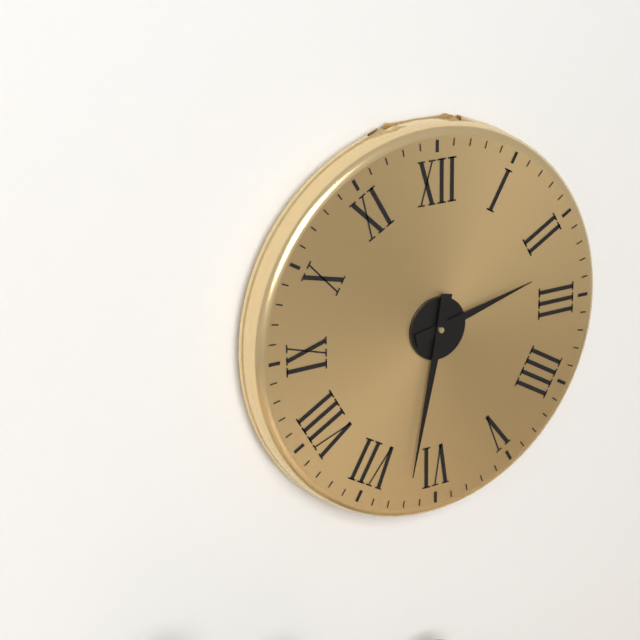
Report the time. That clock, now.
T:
2:32
